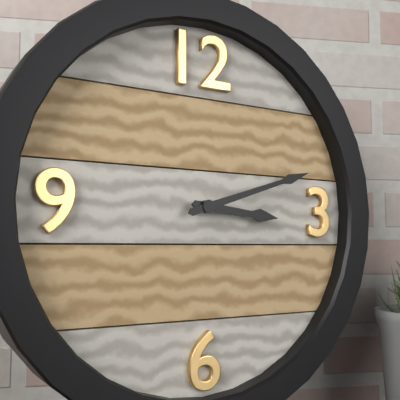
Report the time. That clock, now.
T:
3:12
